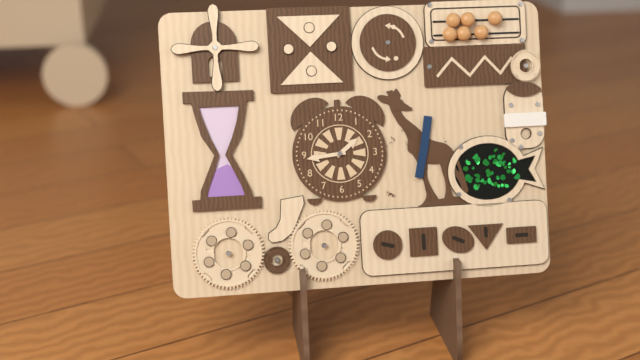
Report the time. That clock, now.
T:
1:44
